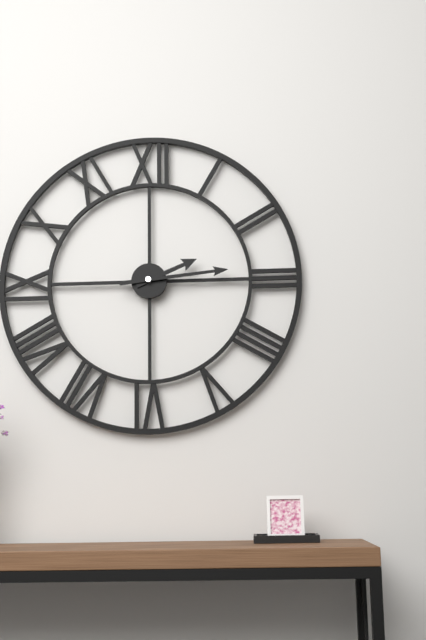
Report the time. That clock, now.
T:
2:14
